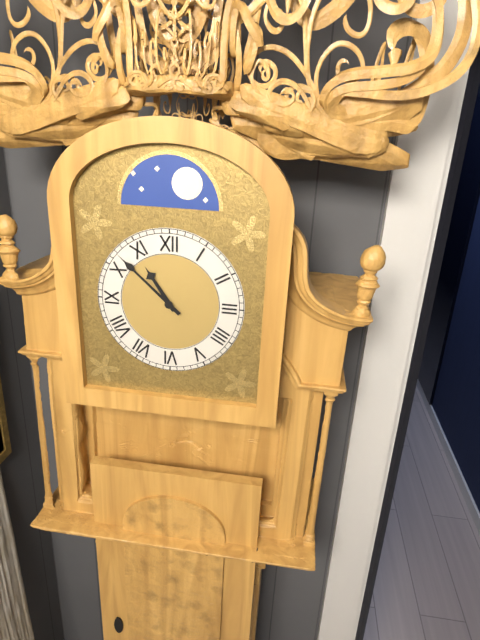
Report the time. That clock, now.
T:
10:52
